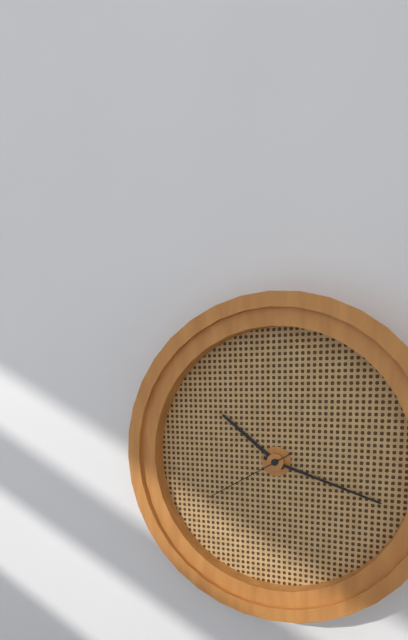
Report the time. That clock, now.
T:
10:18:40
